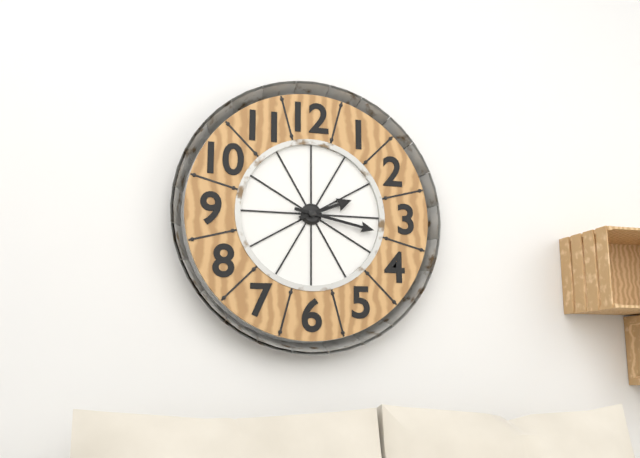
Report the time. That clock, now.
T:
2:17
